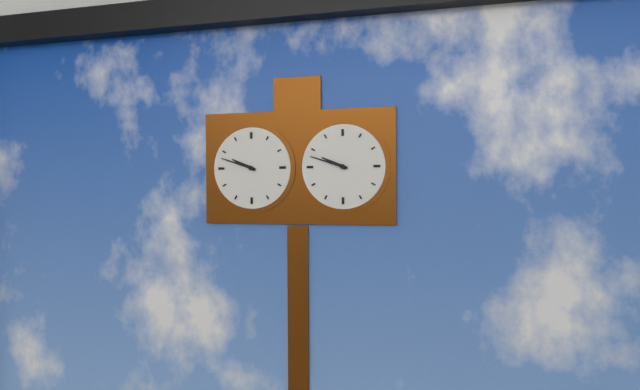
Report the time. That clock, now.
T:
9:48
